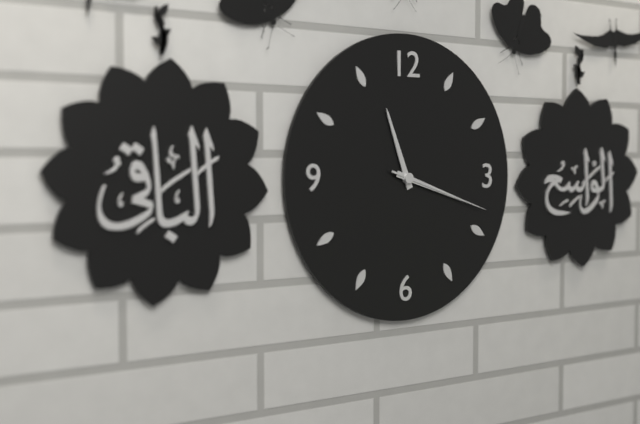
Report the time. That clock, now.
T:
11:18:18
